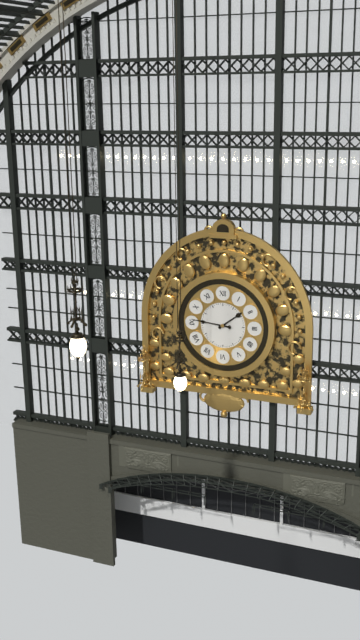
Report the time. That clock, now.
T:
1:46
